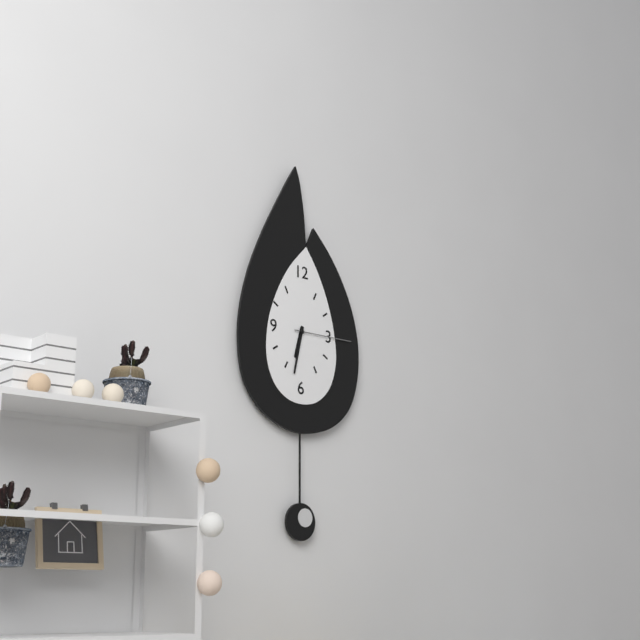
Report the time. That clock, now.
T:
6:32:15
